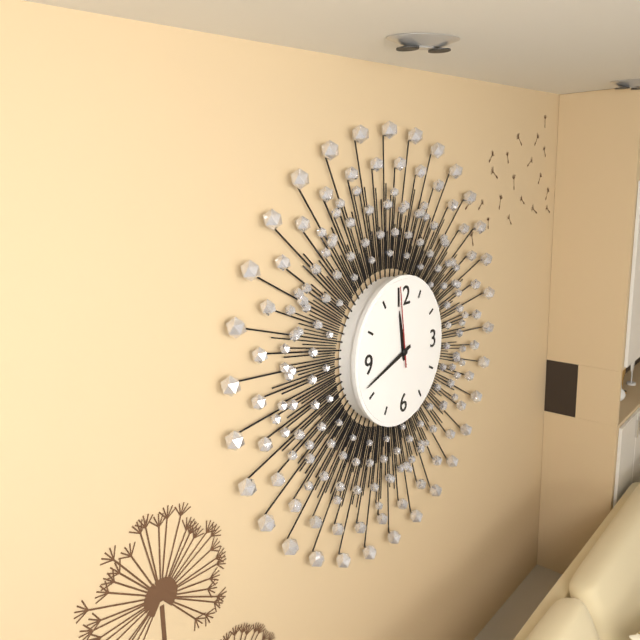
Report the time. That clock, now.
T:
11:42:59
